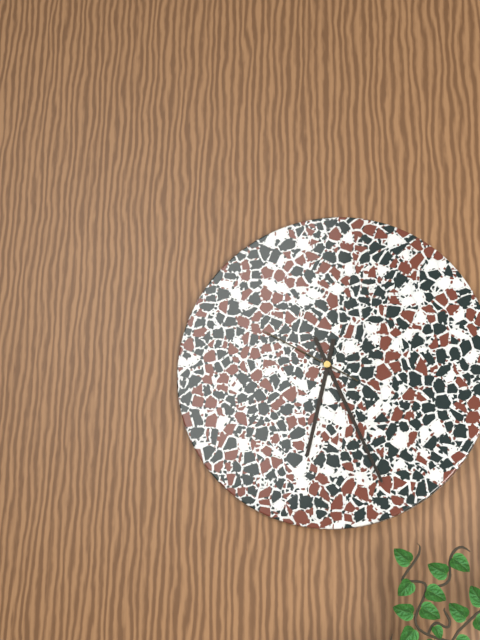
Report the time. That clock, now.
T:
6:26:50
